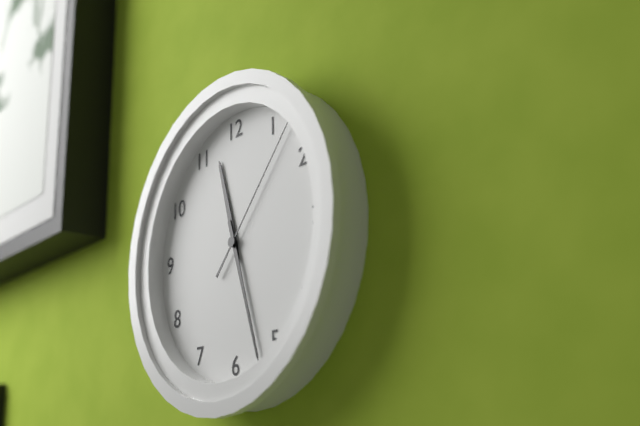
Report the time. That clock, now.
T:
11:27:07
